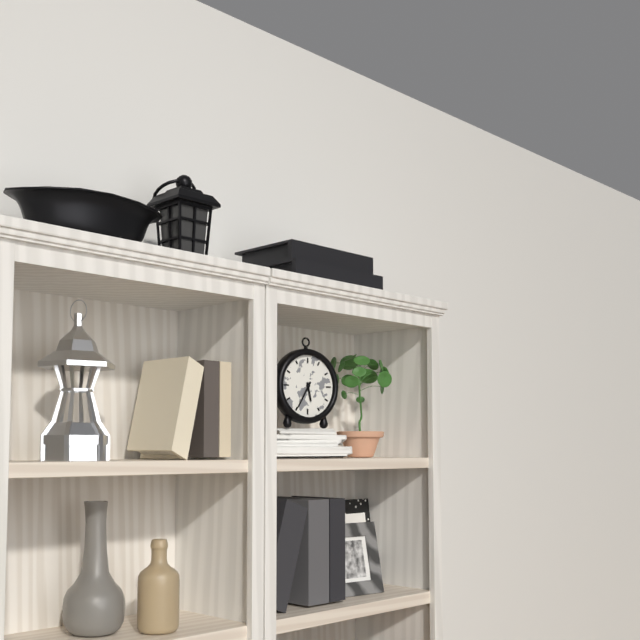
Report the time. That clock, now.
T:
5:35
